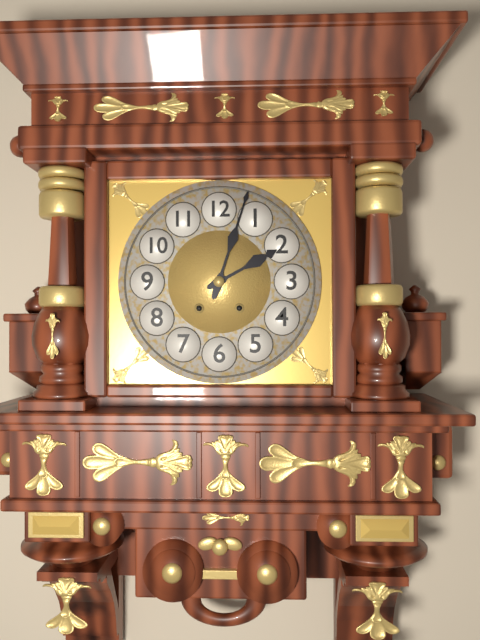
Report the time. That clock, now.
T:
2:03
